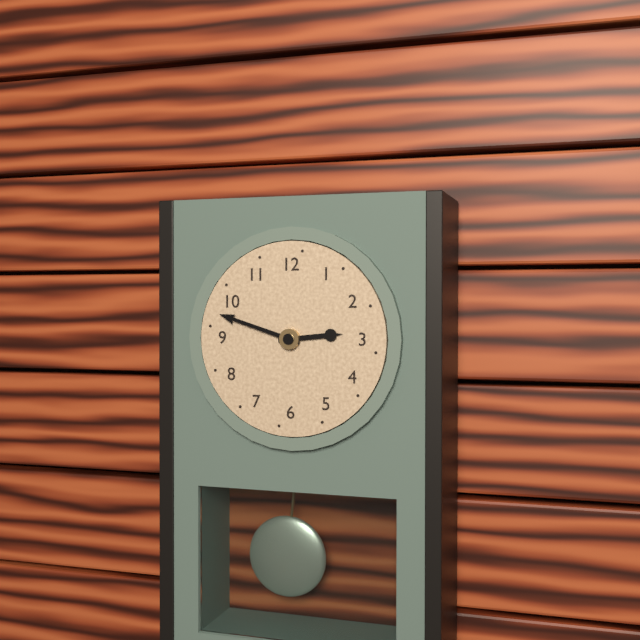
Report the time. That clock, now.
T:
2:48
